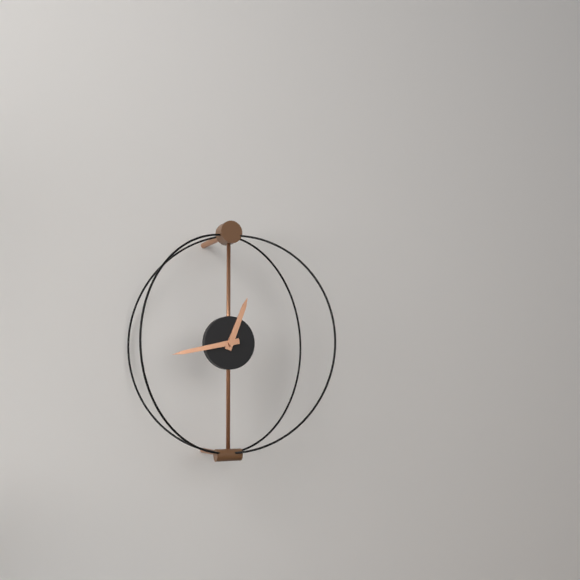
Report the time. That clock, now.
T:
12:43
